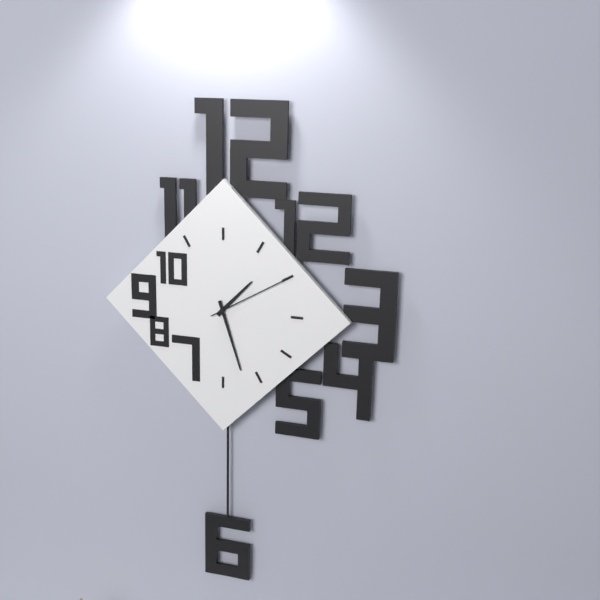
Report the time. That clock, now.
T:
1:27:10
